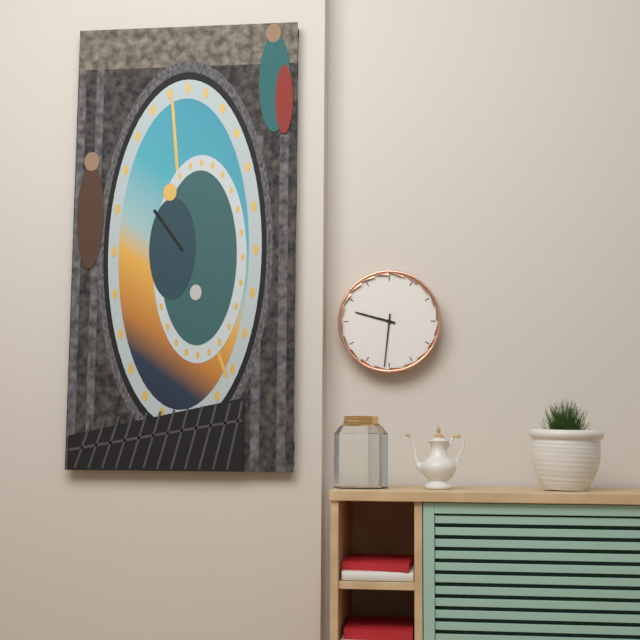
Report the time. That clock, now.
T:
9:31
